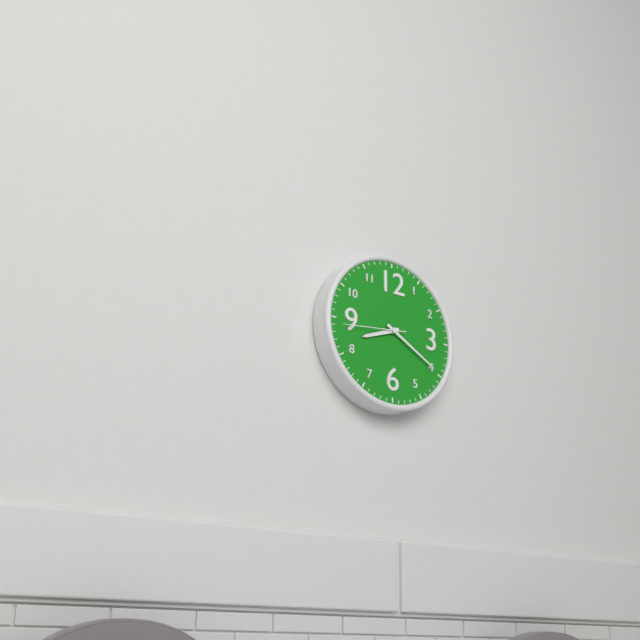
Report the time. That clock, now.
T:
8:20
